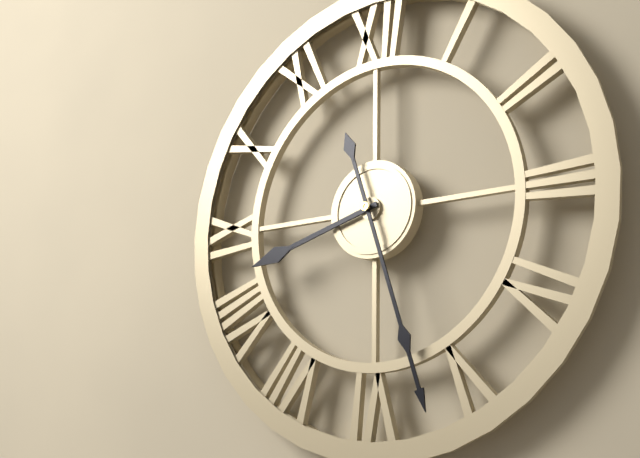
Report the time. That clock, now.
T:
8:27
